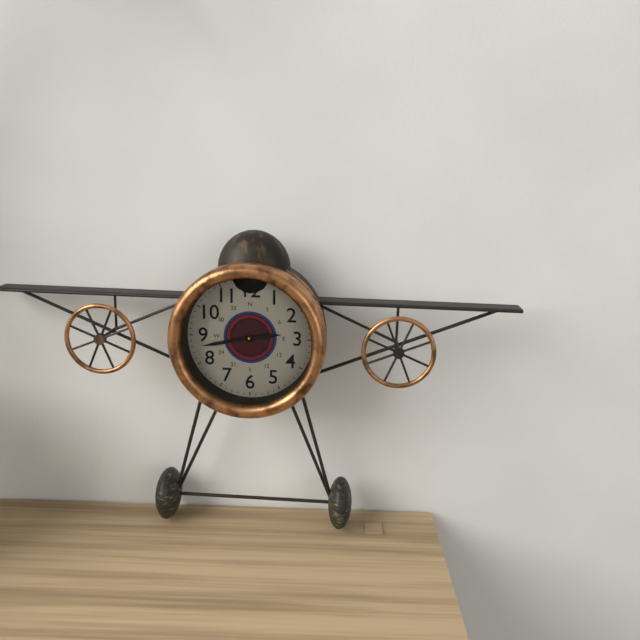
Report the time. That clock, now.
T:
2:43
